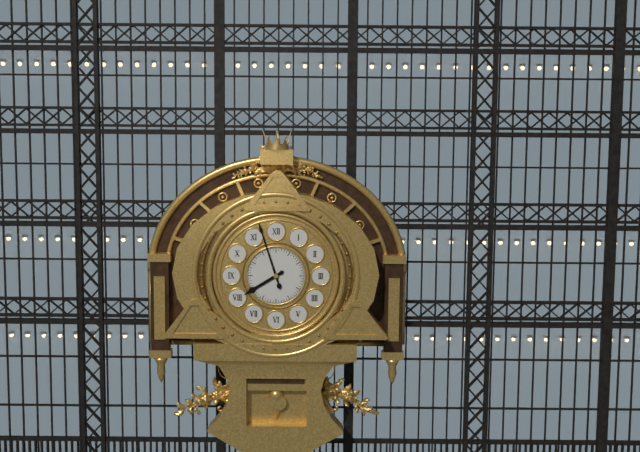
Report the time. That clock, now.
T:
7:57
